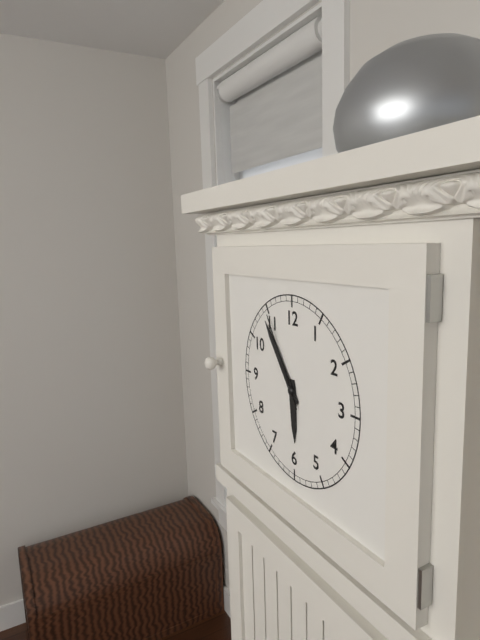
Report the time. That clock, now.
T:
5:54:55
